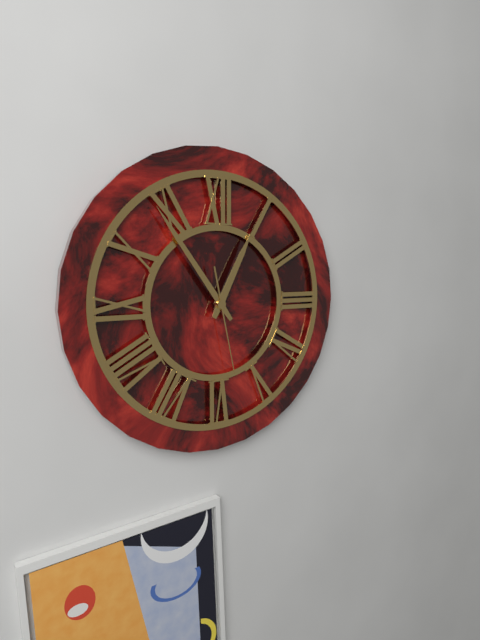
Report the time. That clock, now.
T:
12:54:28
